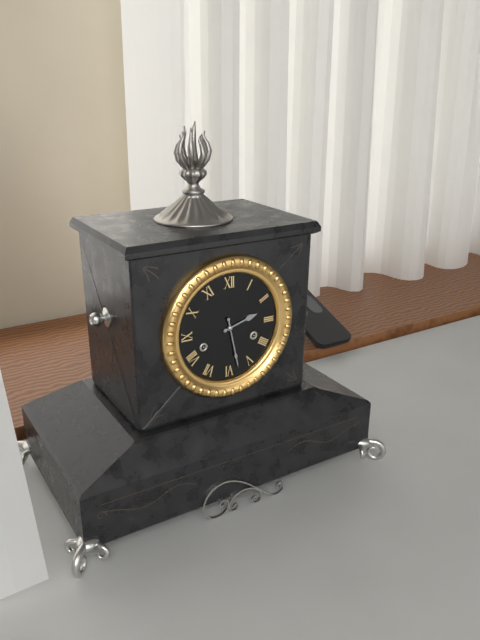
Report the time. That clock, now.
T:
2:28
